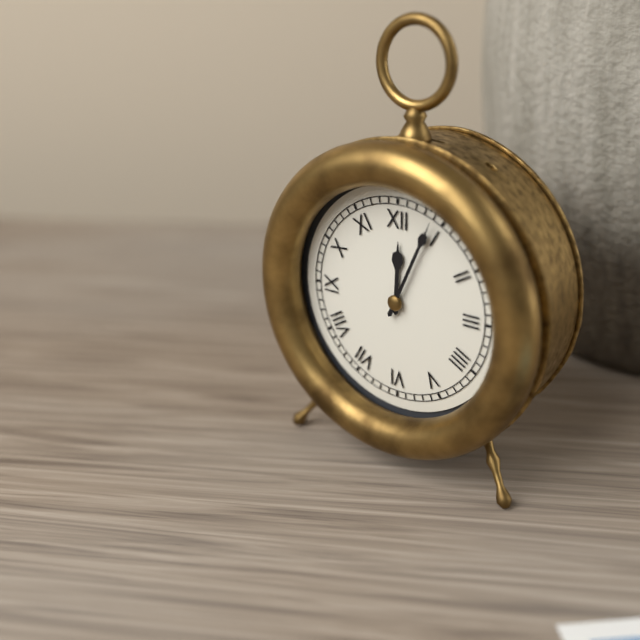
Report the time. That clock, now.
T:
12:04
